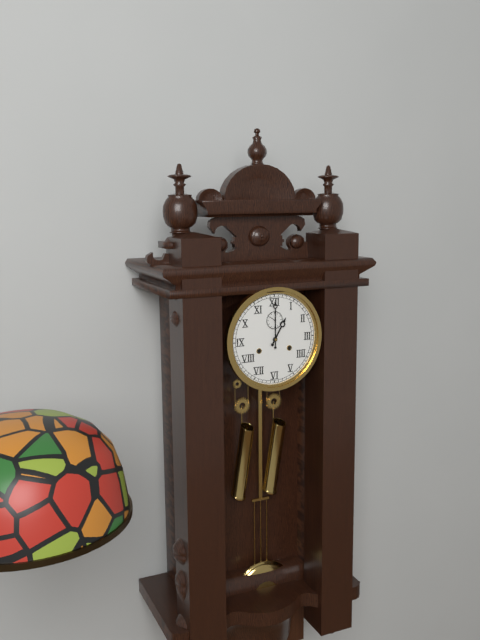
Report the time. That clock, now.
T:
1:00
